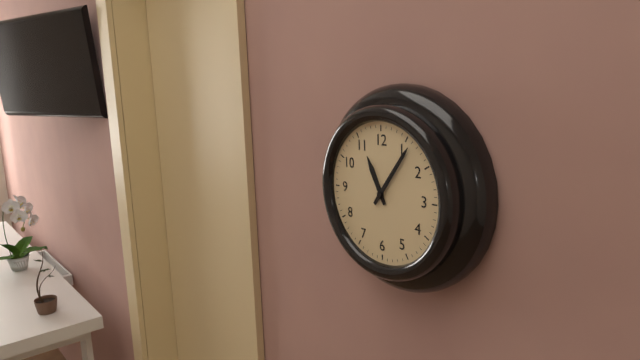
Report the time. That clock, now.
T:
11:06
